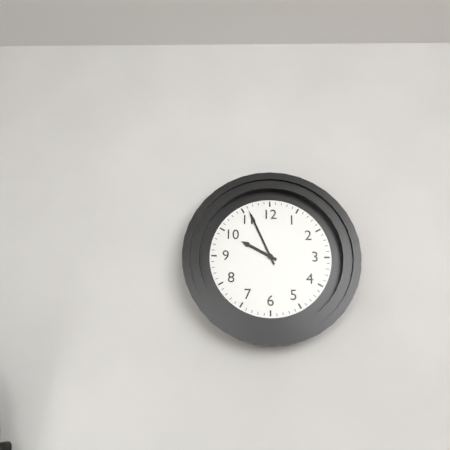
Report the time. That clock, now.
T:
9:56
